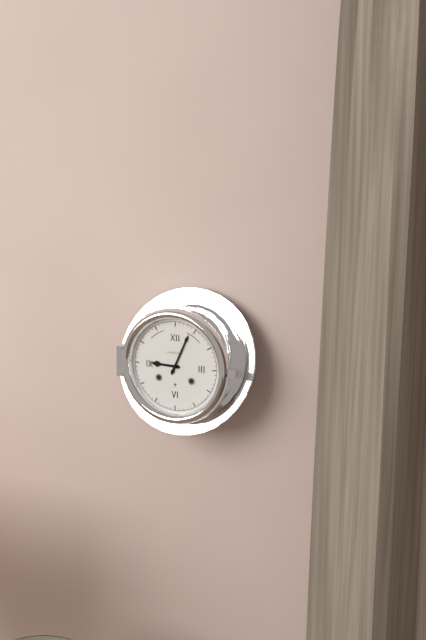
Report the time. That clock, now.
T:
9:04
